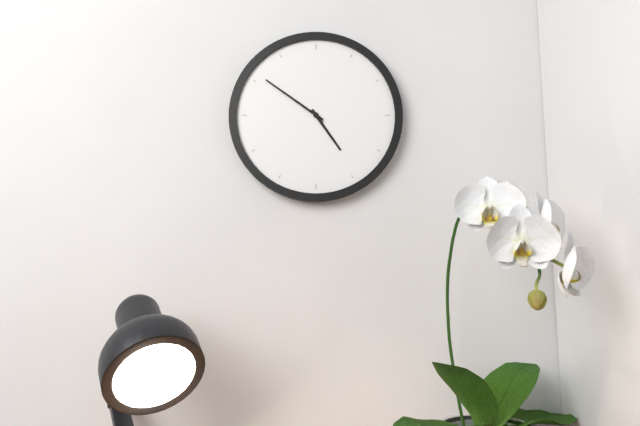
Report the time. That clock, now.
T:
4:51
